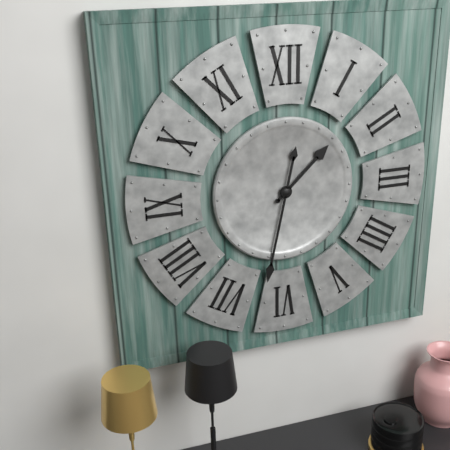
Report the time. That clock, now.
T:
1:32
